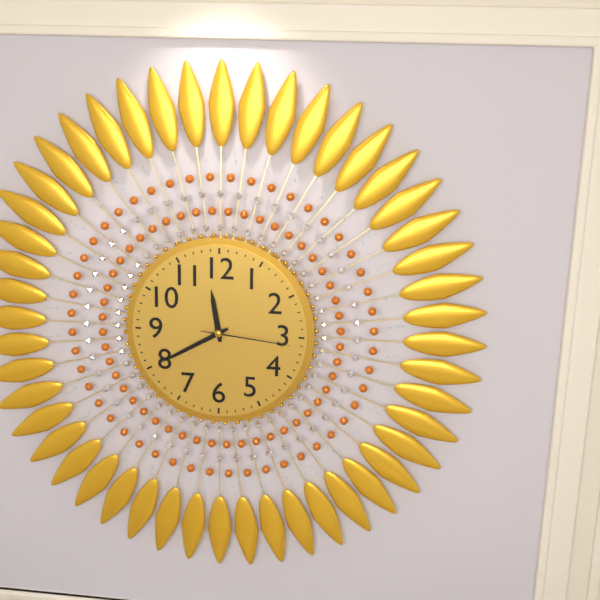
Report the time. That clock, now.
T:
11:40:16
